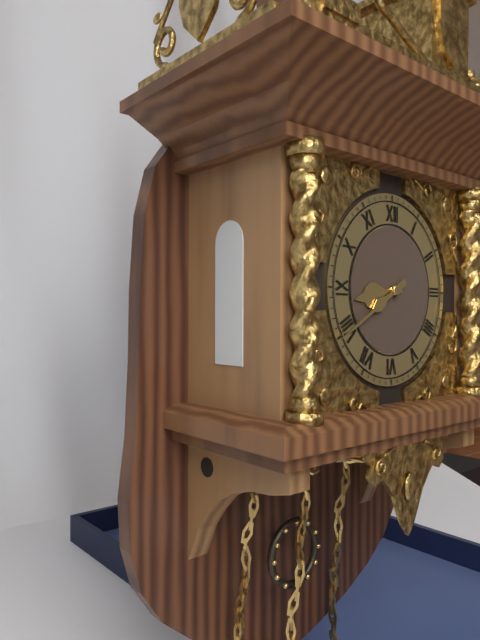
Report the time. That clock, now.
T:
8:40
